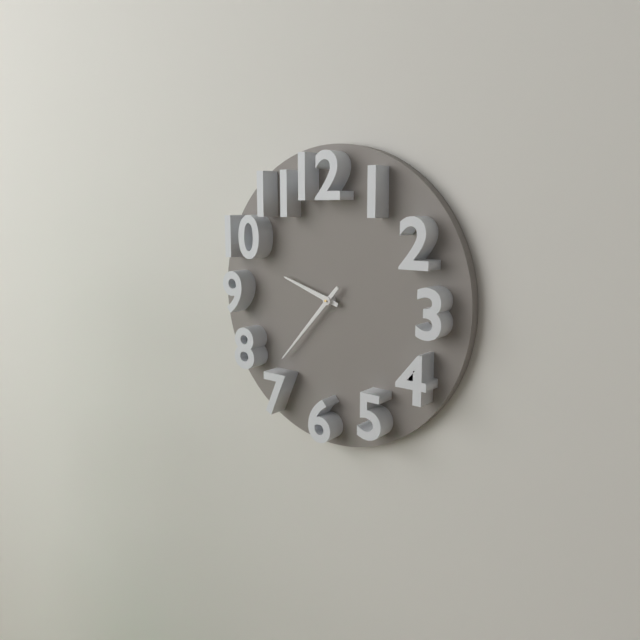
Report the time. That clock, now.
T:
9:37
